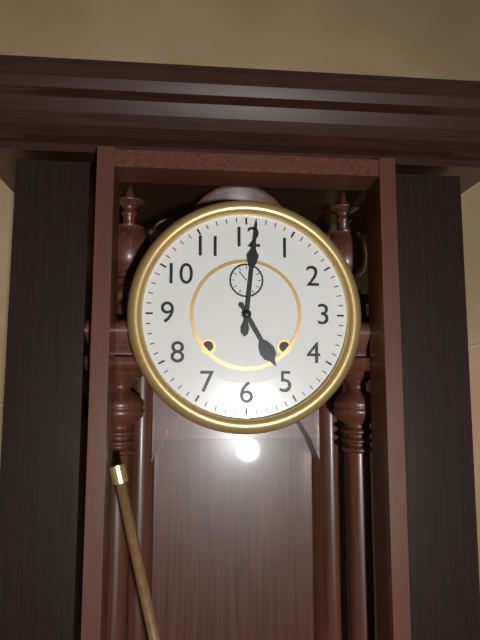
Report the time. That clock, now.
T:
5:01
